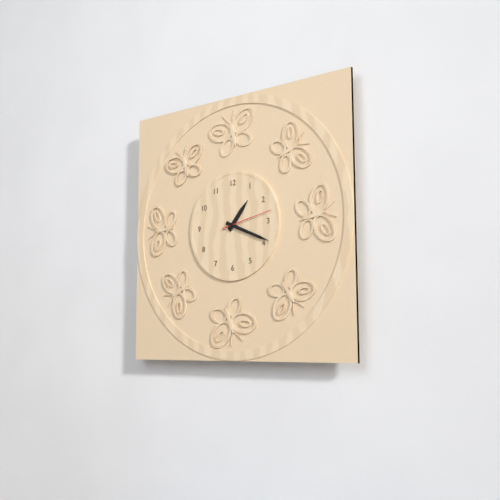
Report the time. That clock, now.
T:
1:19:13
